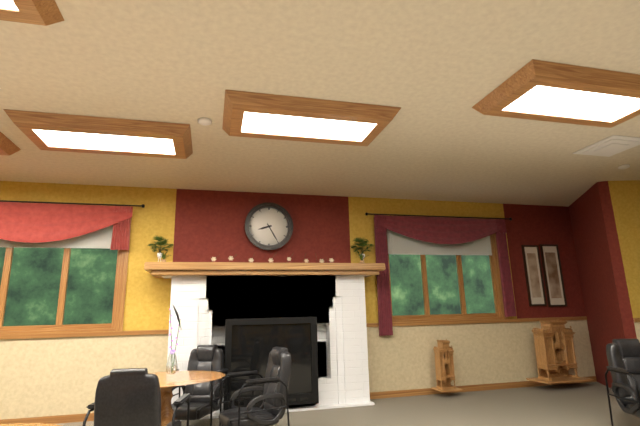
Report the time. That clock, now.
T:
8:25
